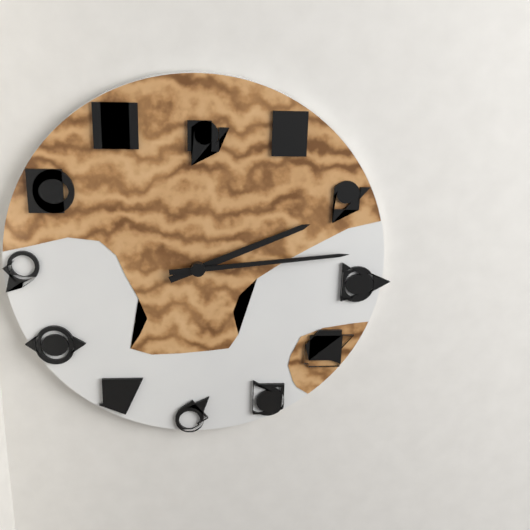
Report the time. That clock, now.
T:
2:14
